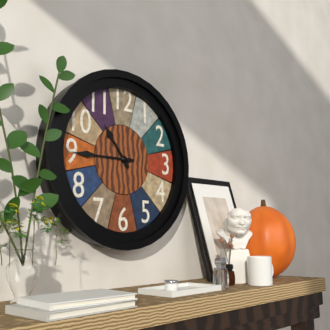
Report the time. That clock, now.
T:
10:45
